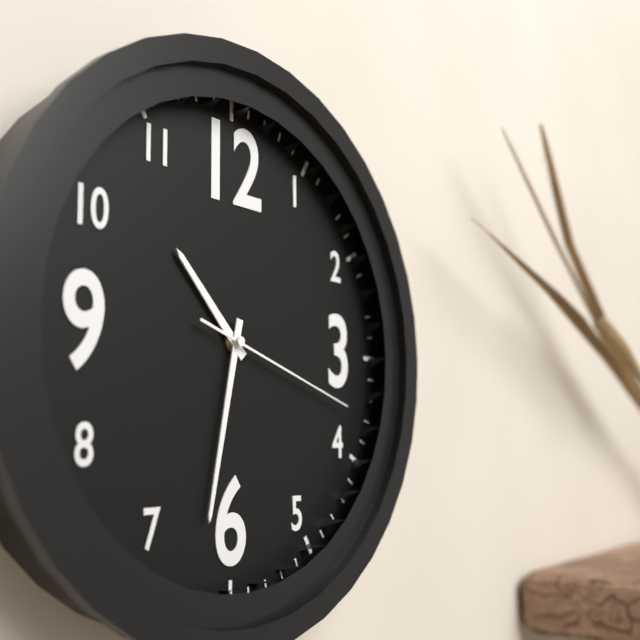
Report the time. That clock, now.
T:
10:32:18
